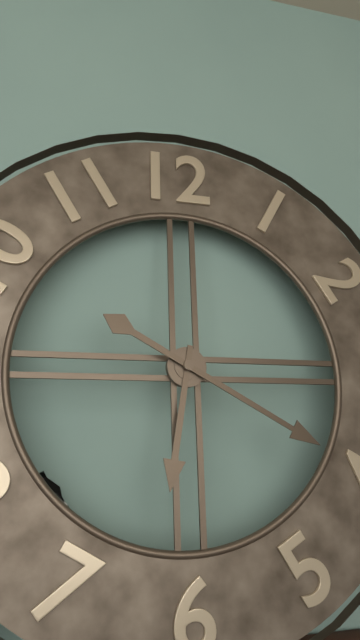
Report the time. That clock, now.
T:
6:20
